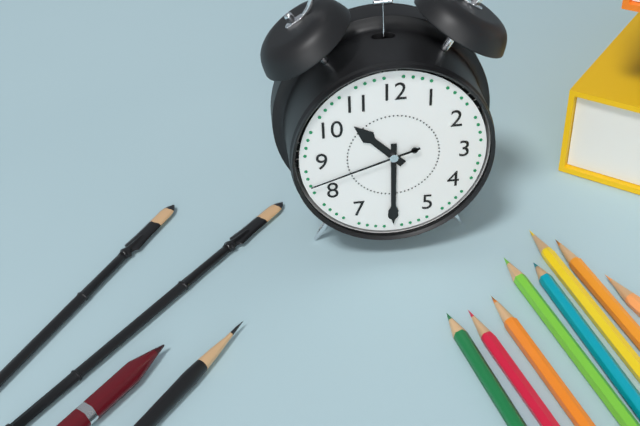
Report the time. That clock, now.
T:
10:30:42
